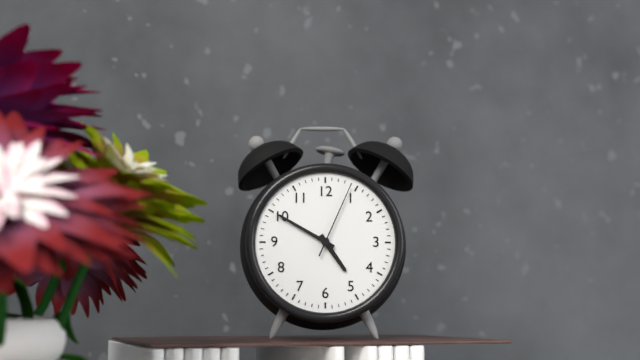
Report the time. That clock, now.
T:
4:50:04
